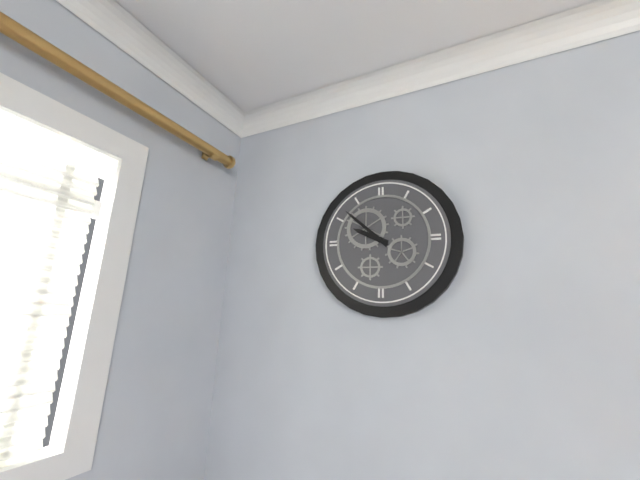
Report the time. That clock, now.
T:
9:52
